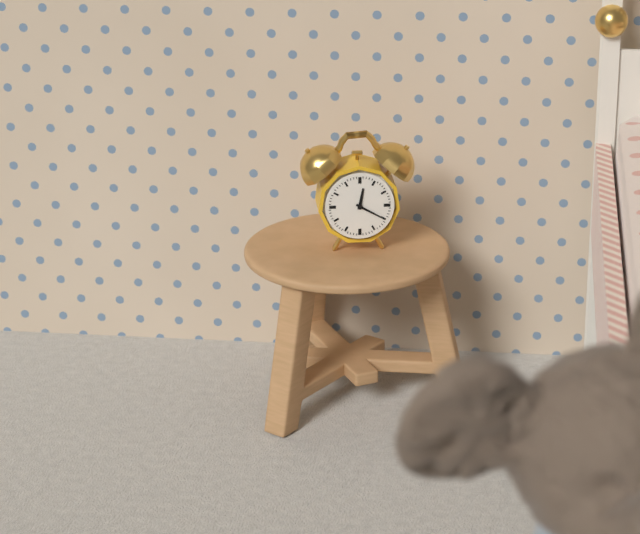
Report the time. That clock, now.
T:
12:20
